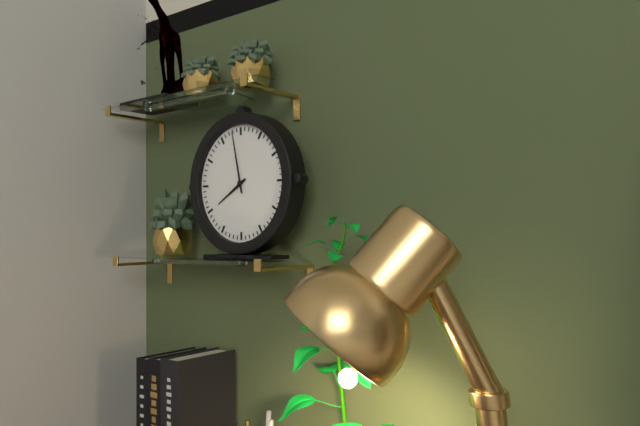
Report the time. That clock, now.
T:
7:58
